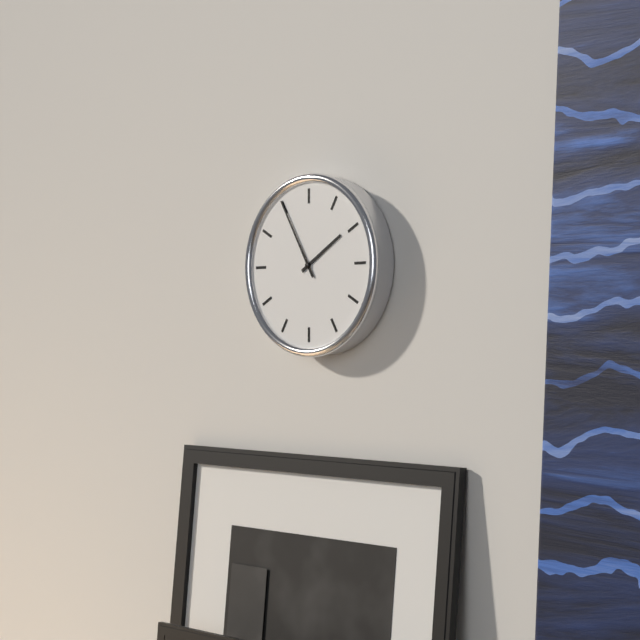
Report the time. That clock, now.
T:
1:55
